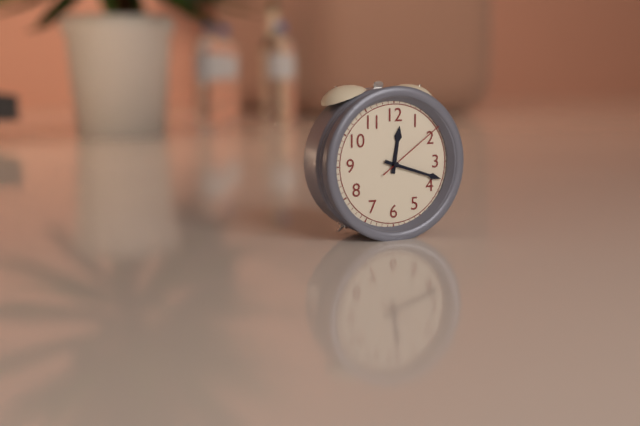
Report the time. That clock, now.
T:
12:18:09
